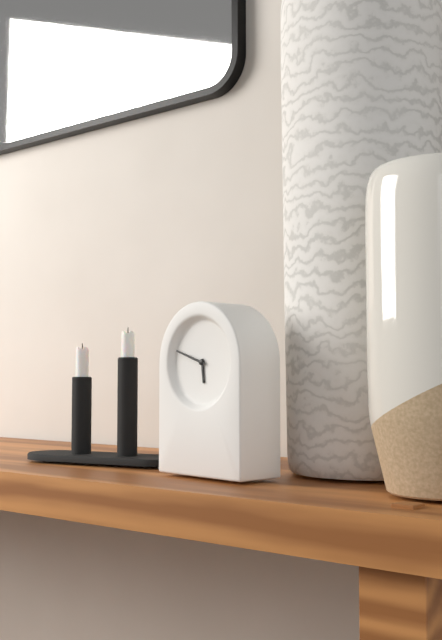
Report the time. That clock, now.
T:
5:48
